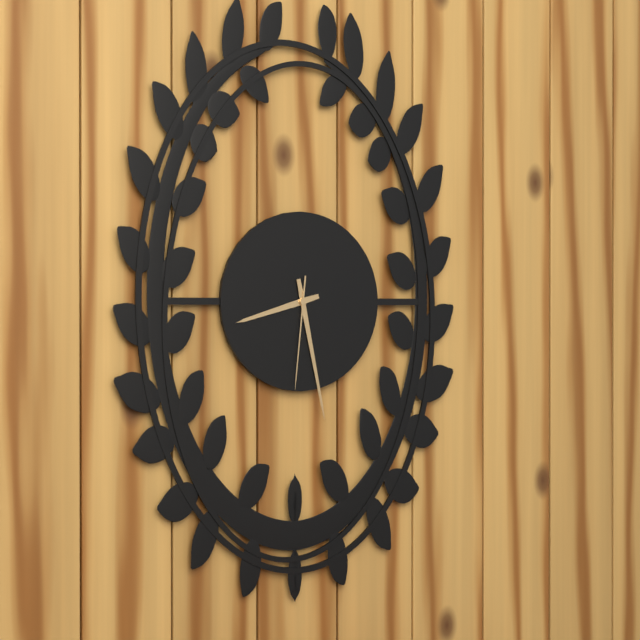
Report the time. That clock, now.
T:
8:28:31
